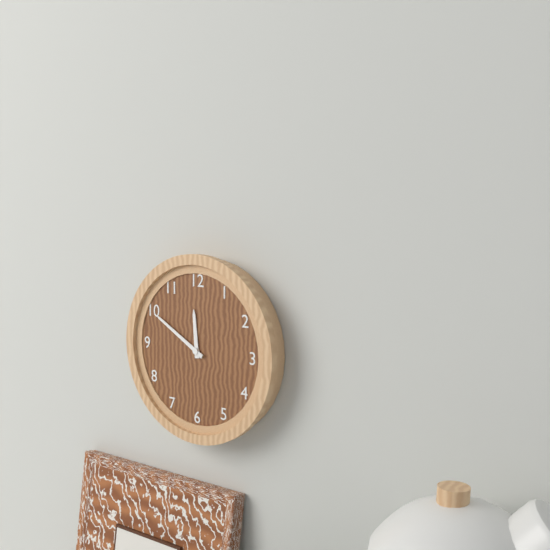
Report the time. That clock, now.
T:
11:50
